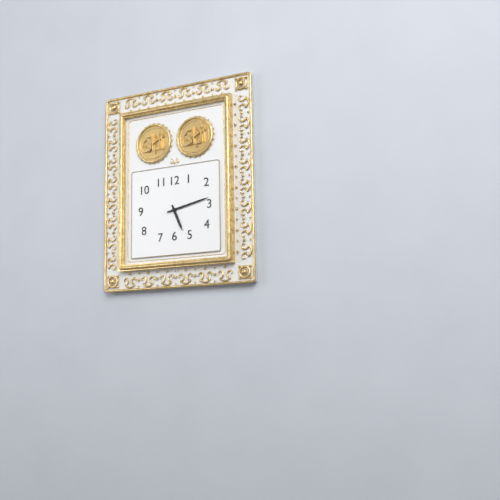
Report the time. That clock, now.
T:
5:13
